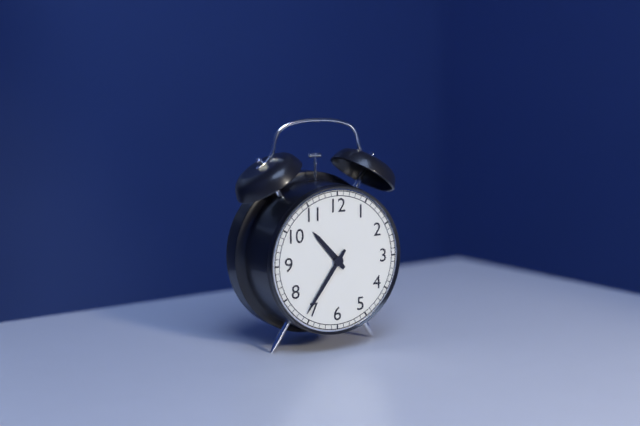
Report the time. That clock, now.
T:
10:36
